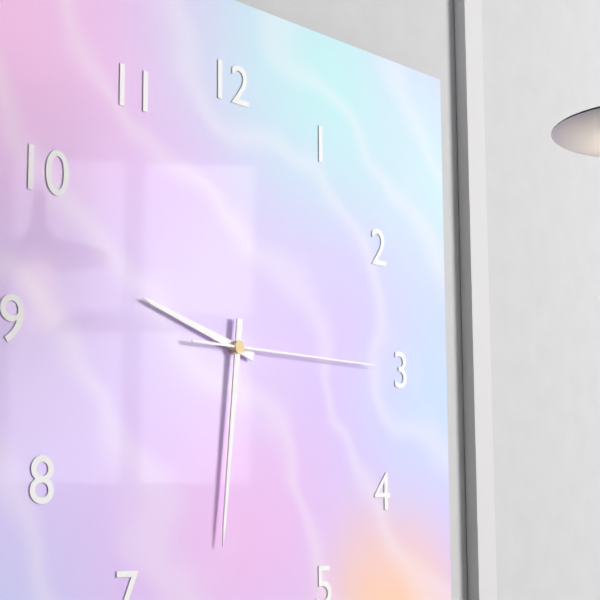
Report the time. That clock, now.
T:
9:31:15
